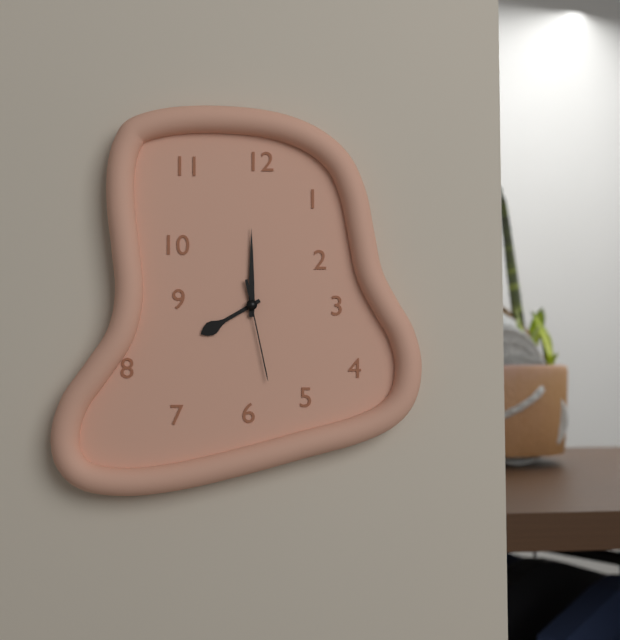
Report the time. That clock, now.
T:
8:00:28
